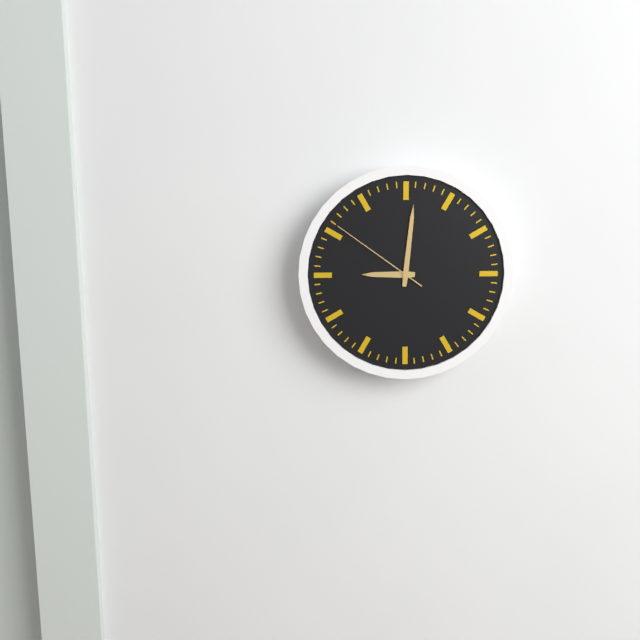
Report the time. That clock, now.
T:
9:01:51
